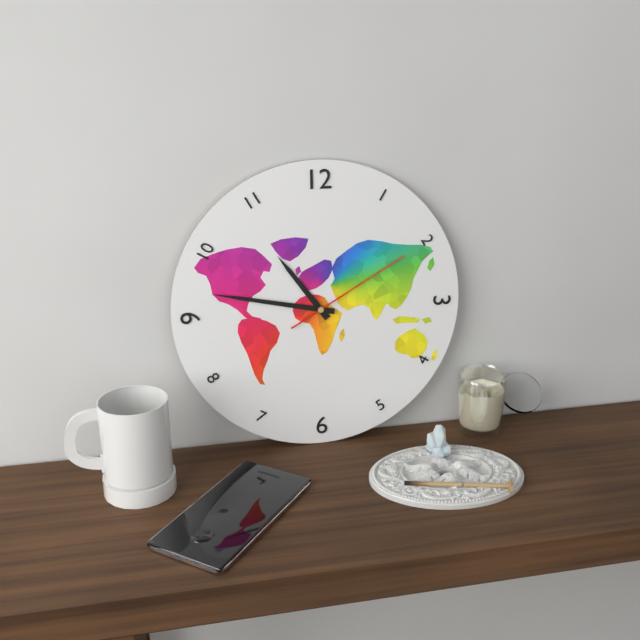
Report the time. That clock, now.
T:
10:47:10
